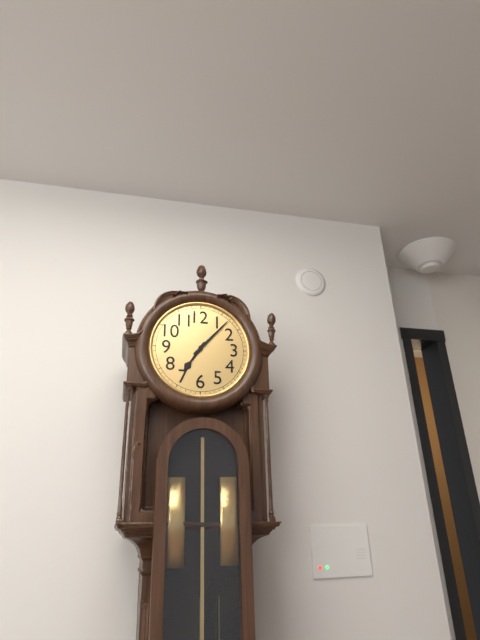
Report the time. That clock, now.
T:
7:07
